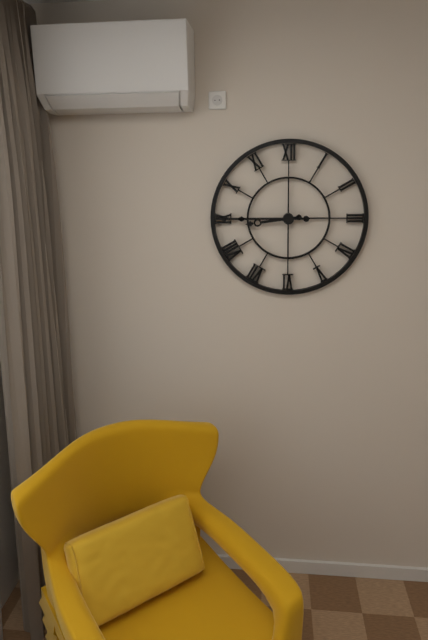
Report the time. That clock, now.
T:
8:45
